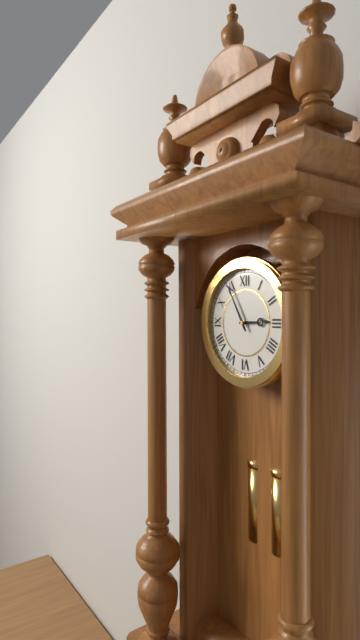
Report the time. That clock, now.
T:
2:55
